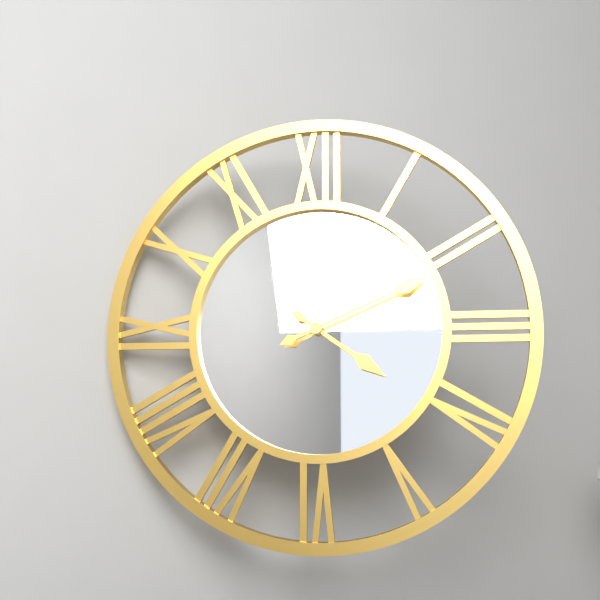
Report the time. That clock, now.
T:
4:11
